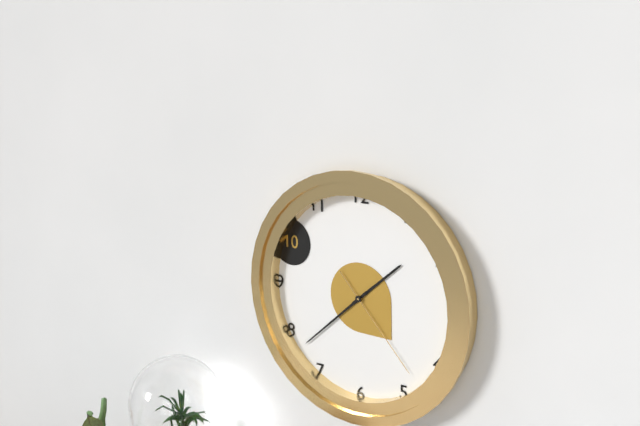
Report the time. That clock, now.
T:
1:38:23
